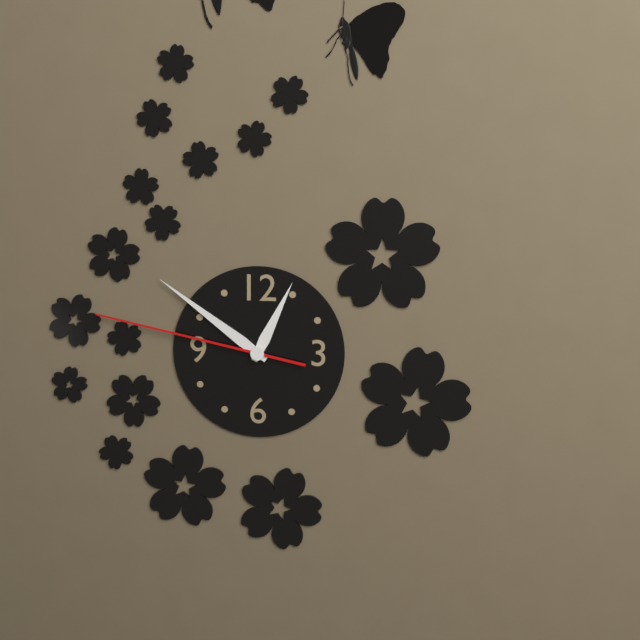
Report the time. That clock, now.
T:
12:51:47
